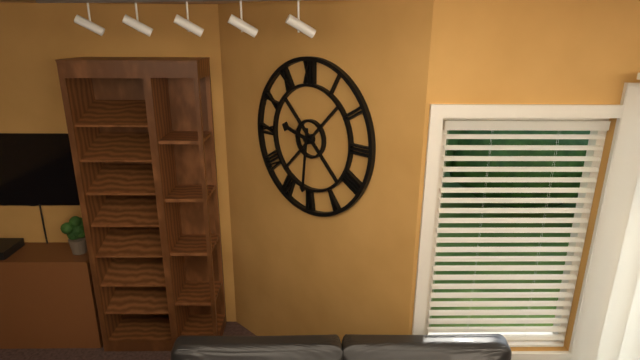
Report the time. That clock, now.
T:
9:31
